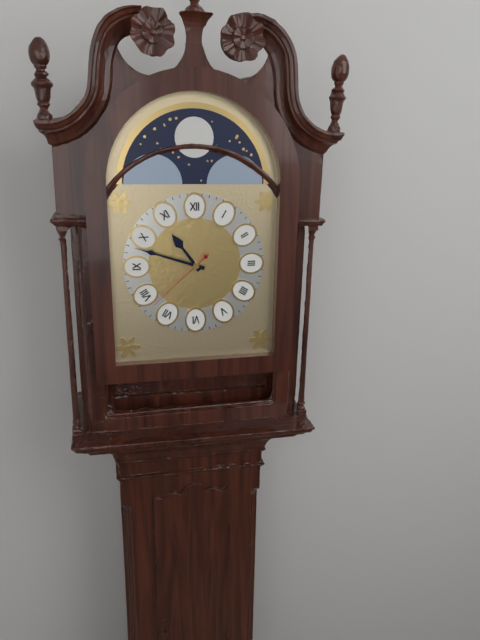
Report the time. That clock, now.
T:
10:48:38
